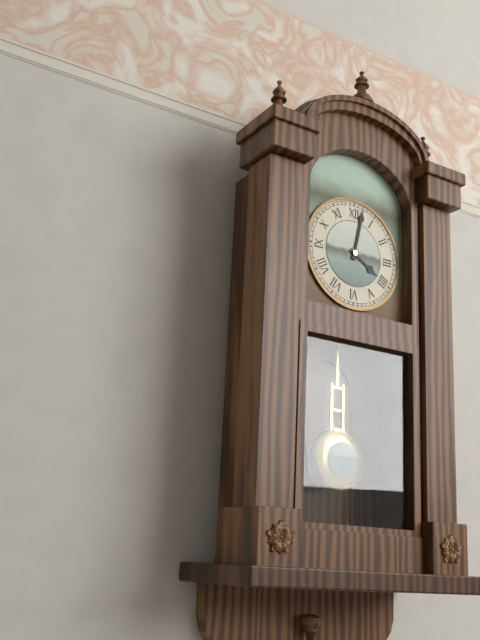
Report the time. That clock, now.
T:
4:02
